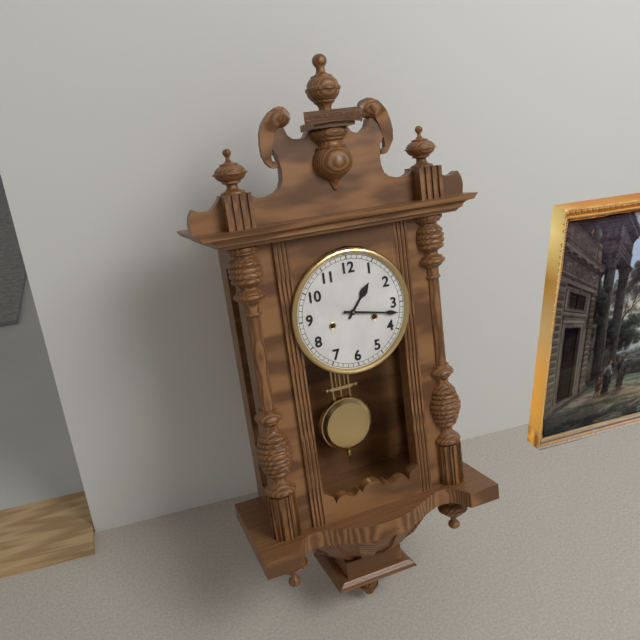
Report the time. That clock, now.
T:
1:17
